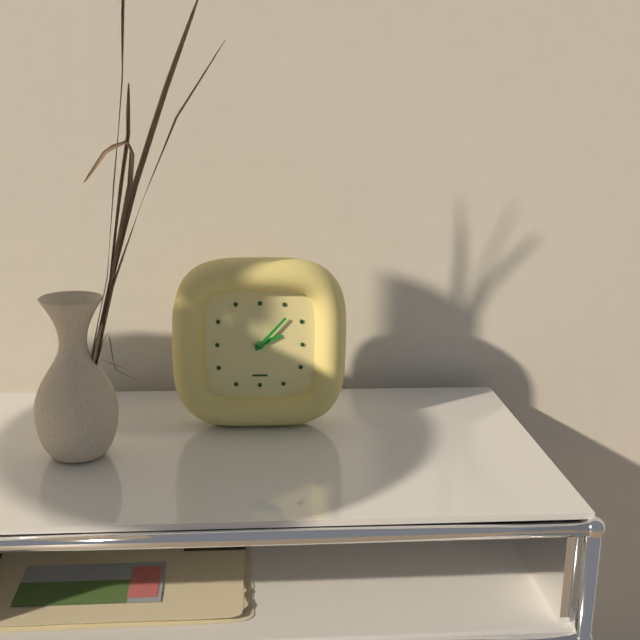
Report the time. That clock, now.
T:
2:07
